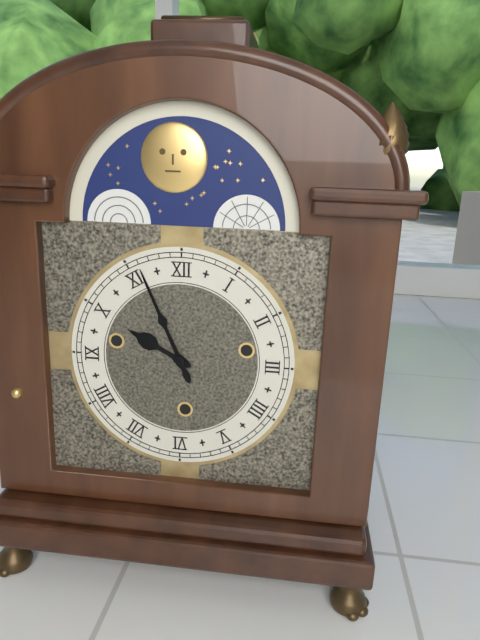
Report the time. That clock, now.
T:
9:56
